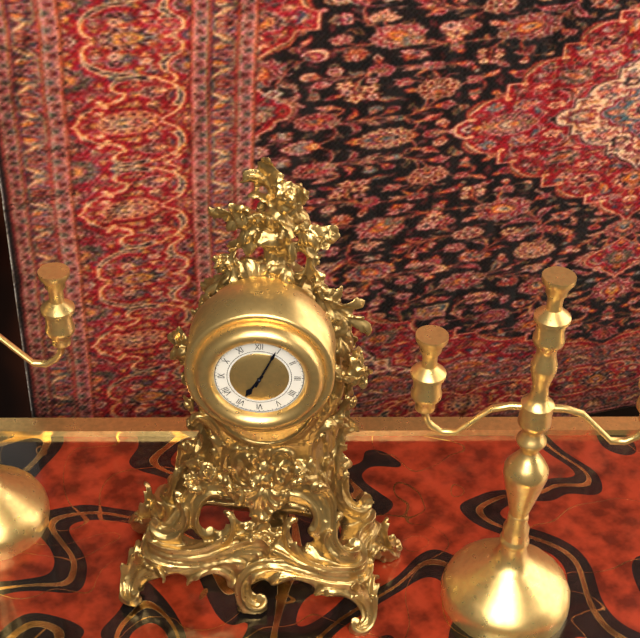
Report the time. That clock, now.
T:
7:04
